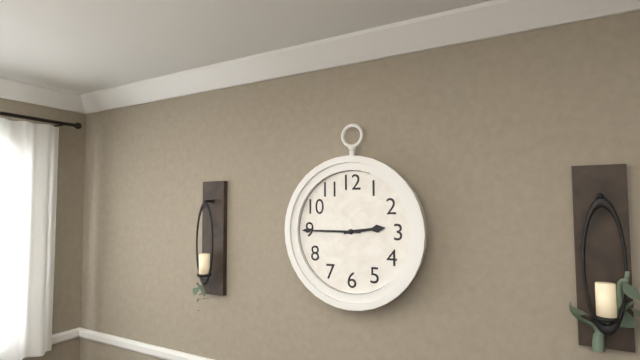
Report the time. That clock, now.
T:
2:45
